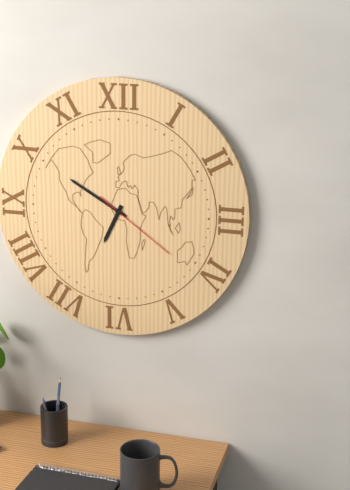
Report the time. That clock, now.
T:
6:50:21
